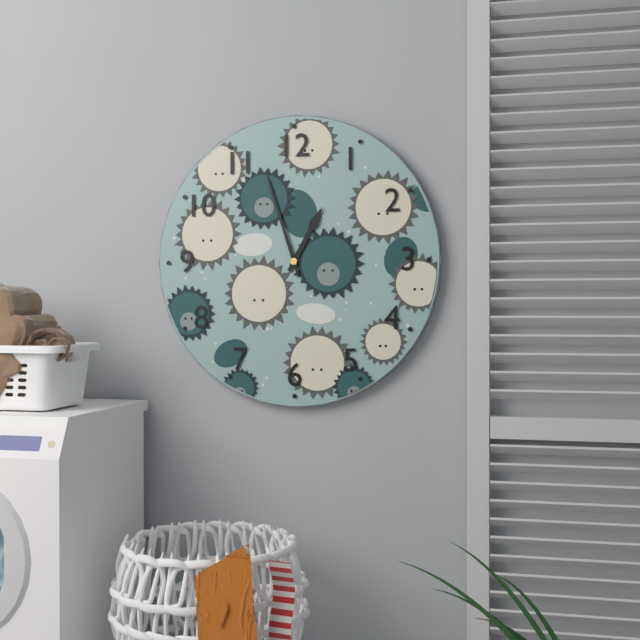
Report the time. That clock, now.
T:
12:57
